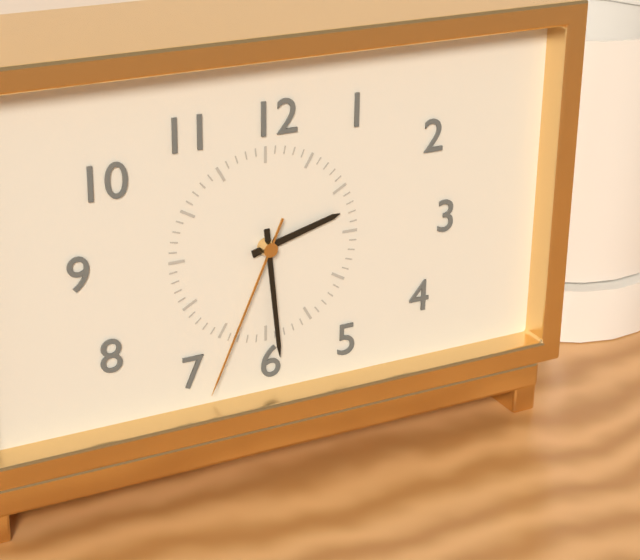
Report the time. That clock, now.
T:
2:29:34
